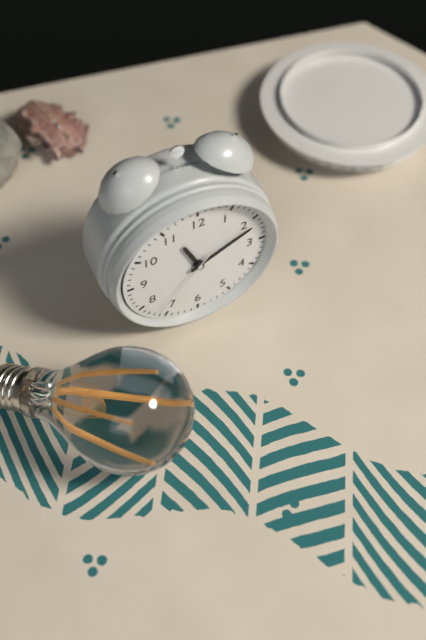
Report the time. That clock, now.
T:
11:11:37
